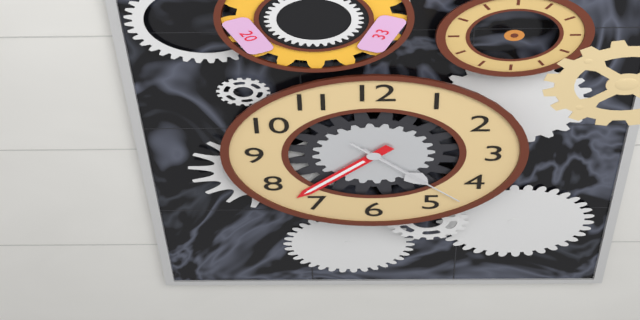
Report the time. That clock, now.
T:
4:37:23
